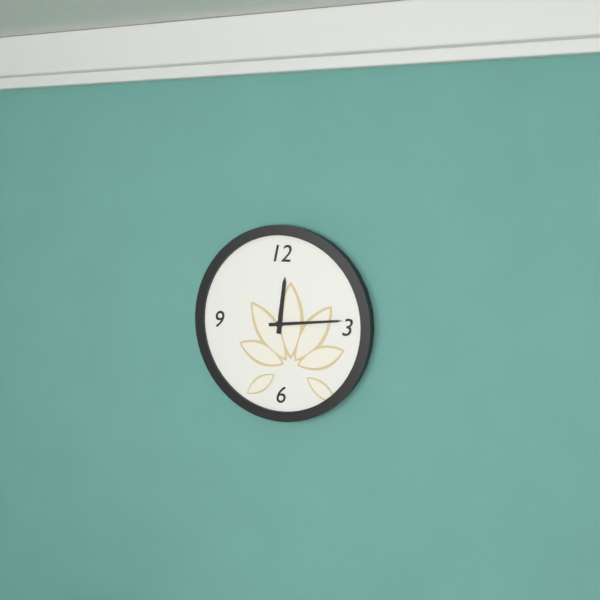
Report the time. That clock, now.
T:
12:14
